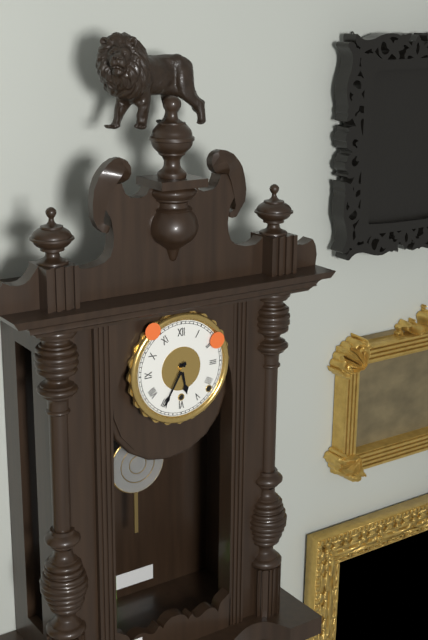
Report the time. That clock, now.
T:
5:35
